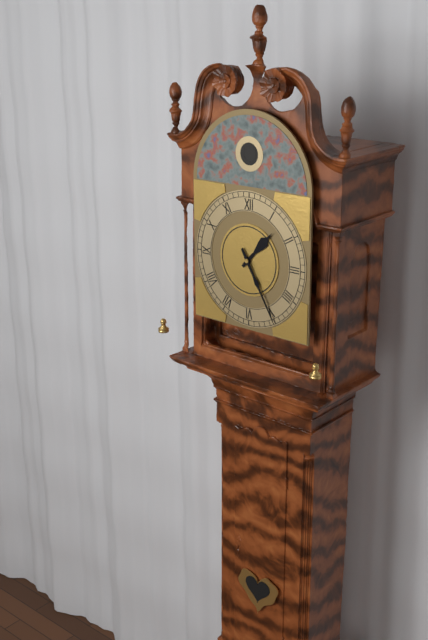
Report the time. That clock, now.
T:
1:25
